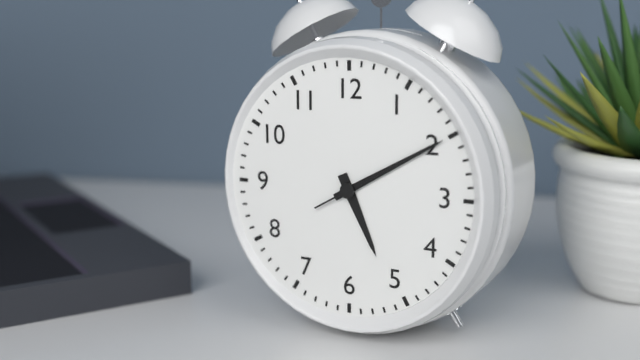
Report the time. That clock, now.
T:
5:10:10
